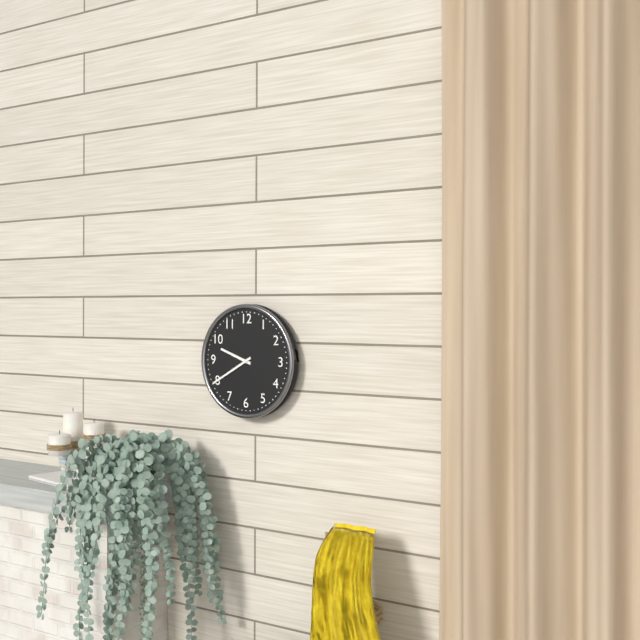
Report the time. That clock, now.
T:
9:40
